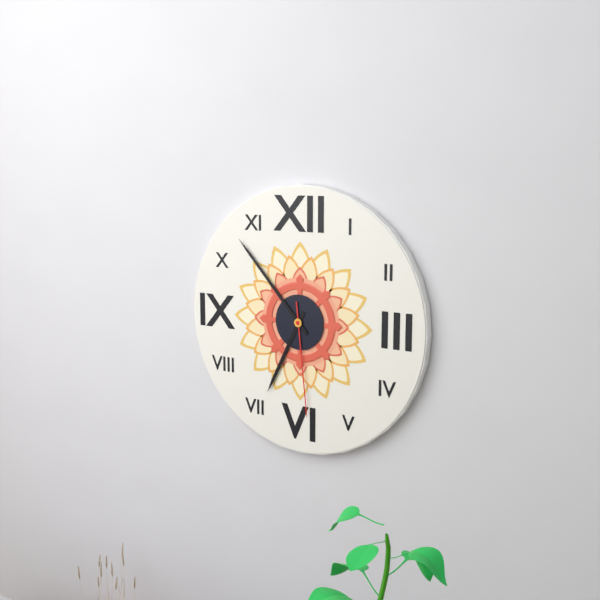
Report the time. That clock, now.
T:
6:53:29
